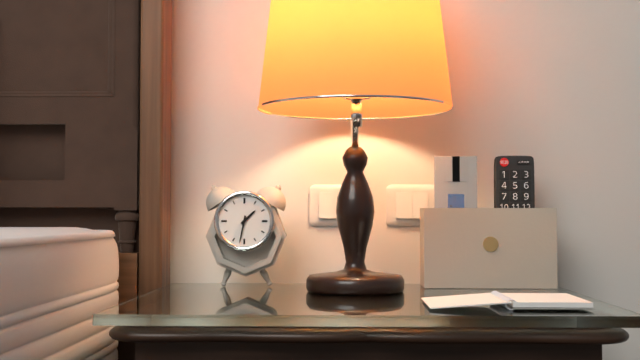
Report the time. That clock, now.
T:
1:32
